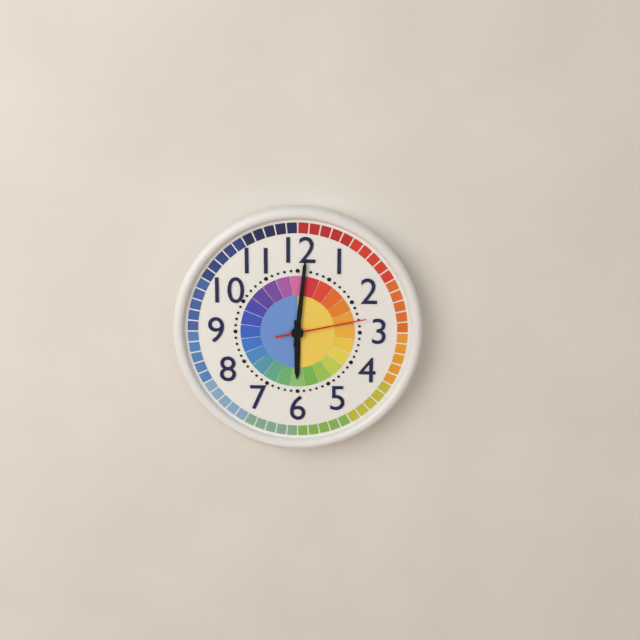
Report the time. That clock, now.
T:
6:01:13
